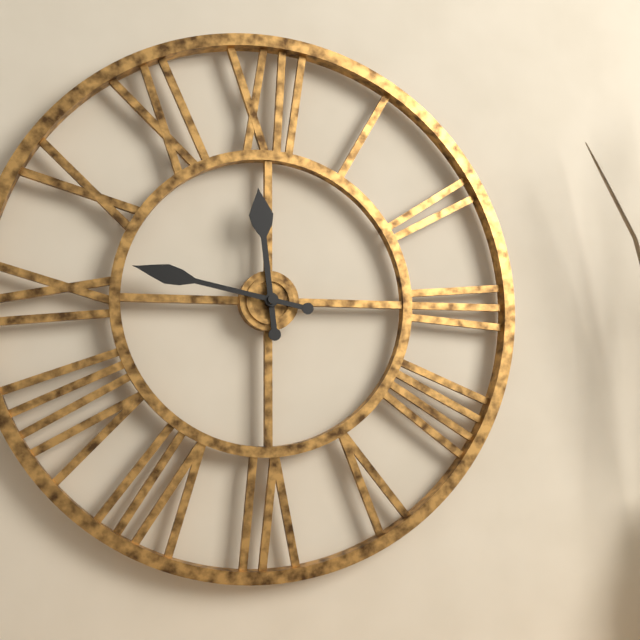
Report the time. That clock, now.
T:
11:47
